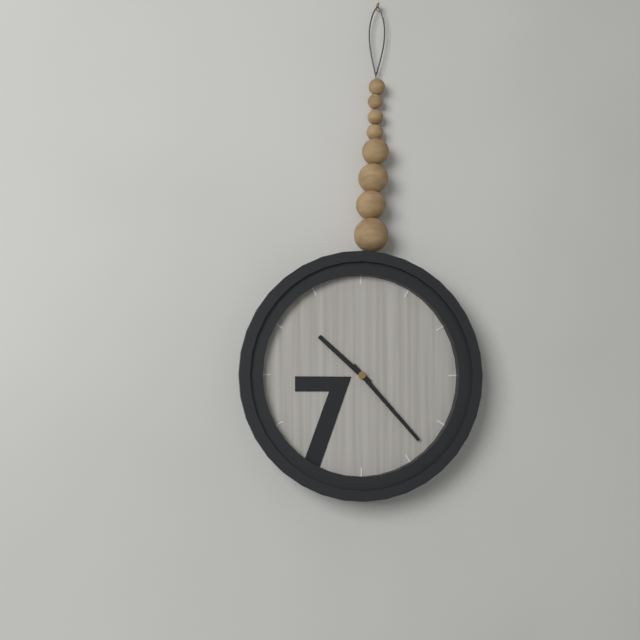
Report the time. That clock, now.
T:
10:23
